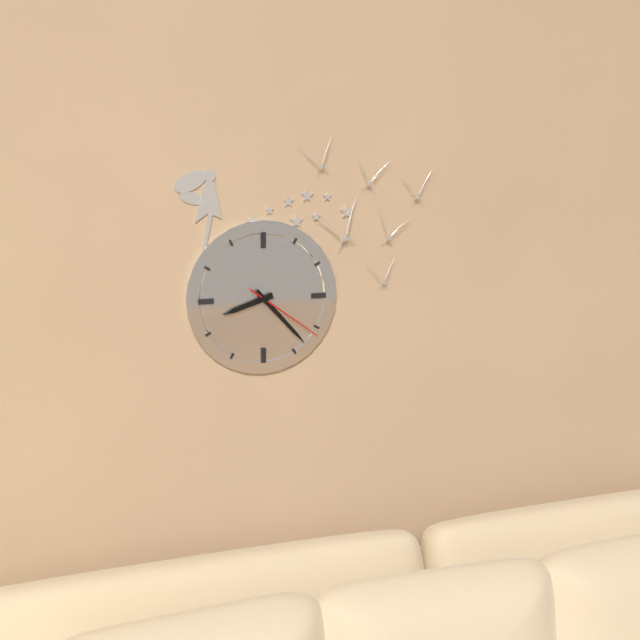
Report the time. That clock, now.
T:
8:23:21
